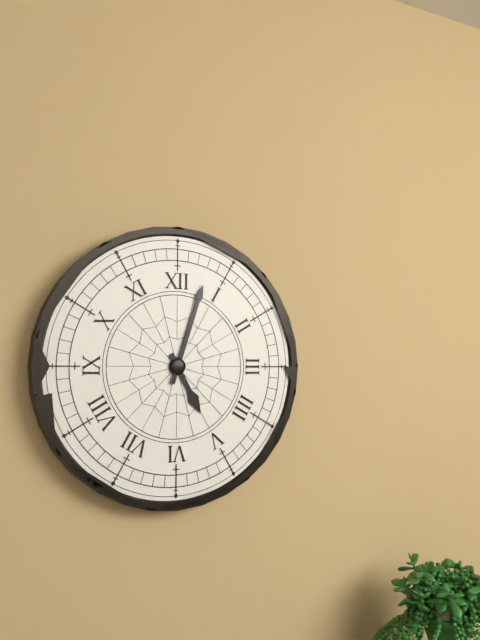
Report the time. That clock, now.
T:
5:03
